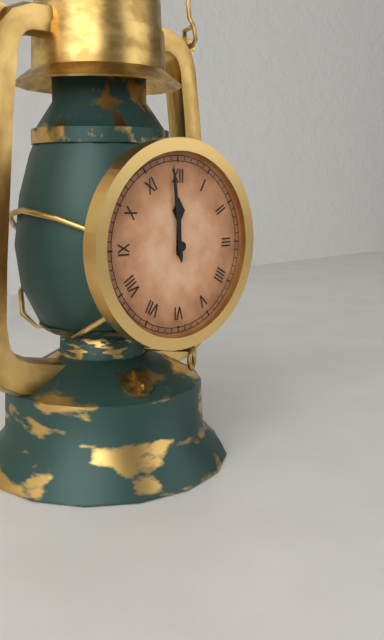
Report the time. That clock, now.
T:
11:59
